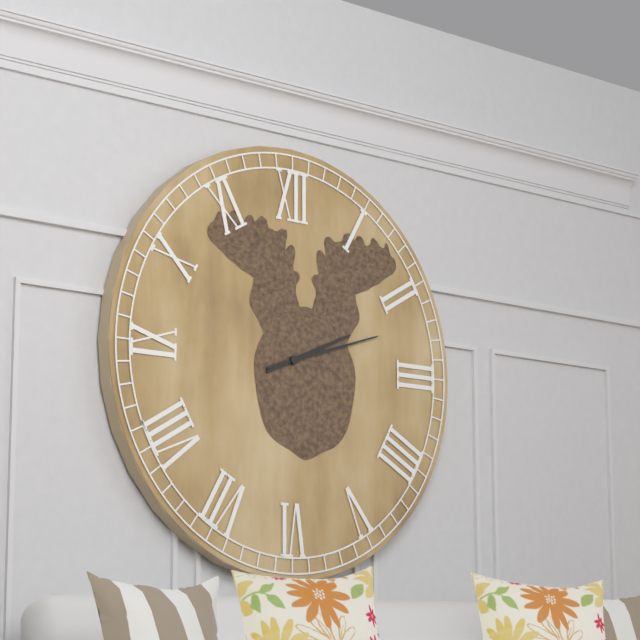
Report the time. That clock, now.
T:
2:12
